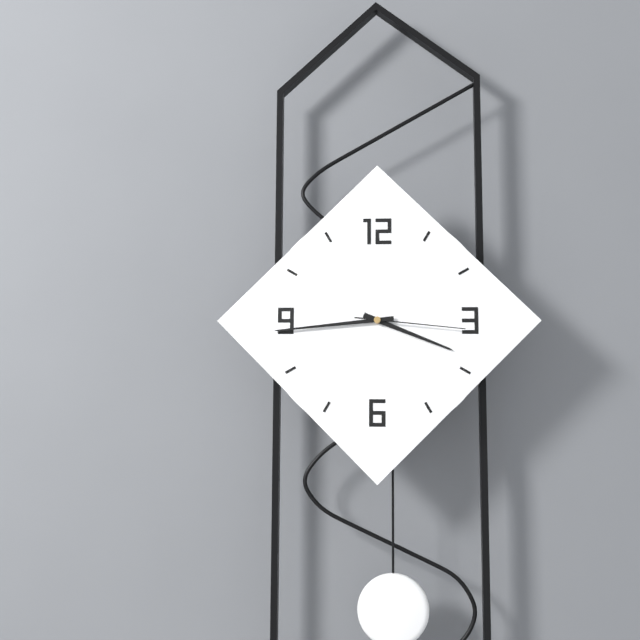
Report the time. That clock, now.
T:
3:44:16
